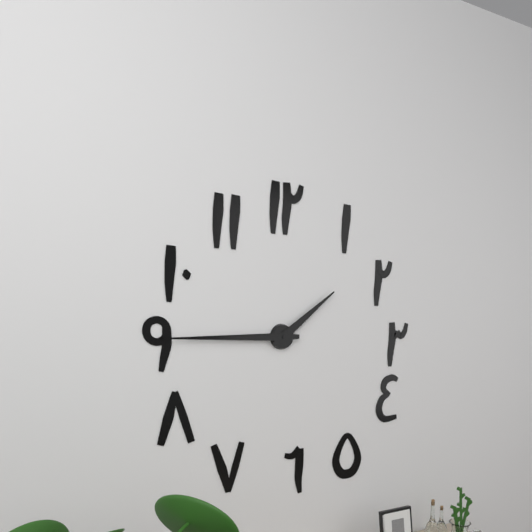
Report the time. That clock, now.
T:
1:45
